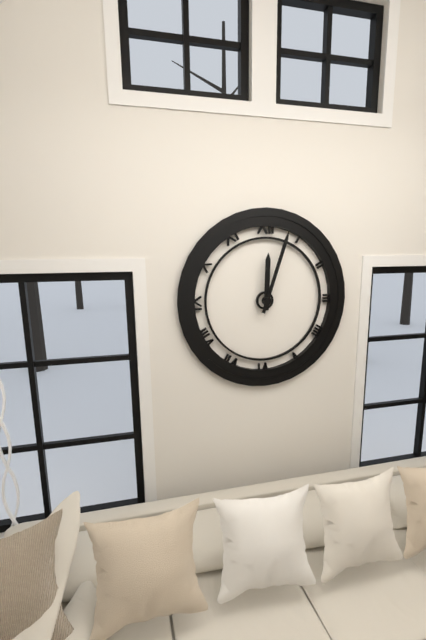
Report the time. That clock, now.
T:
12:03
